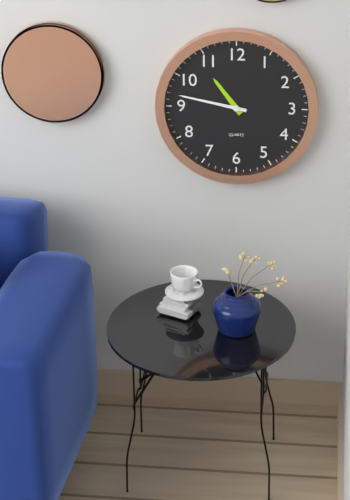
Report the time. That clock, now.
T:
10:47
